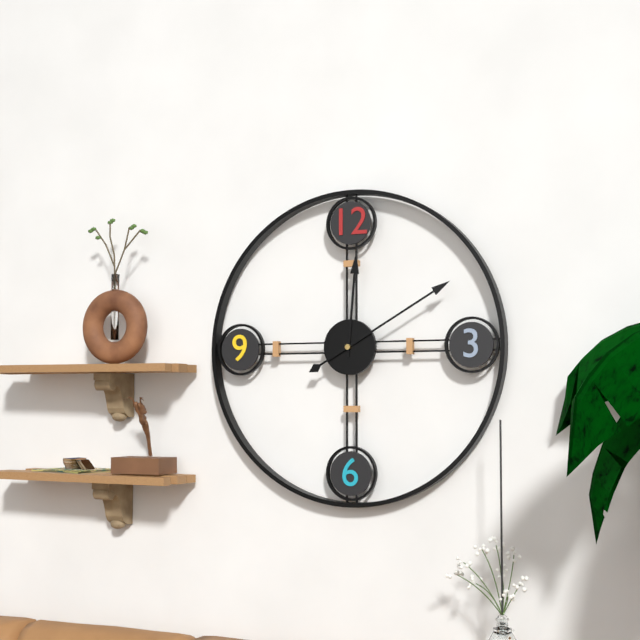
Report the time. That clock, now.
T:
12:10
